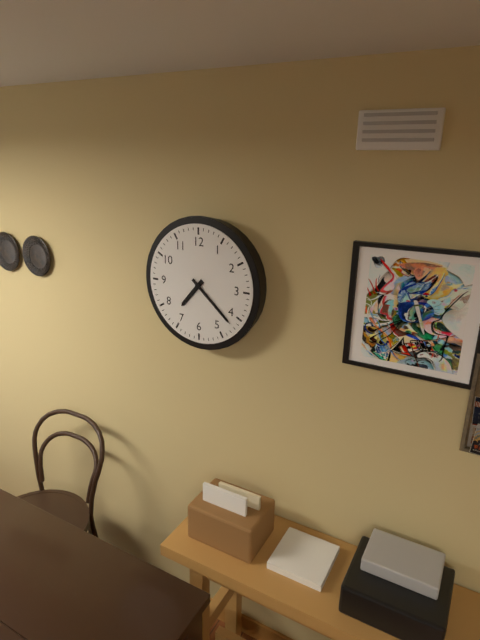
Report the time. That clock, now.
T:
7:22
